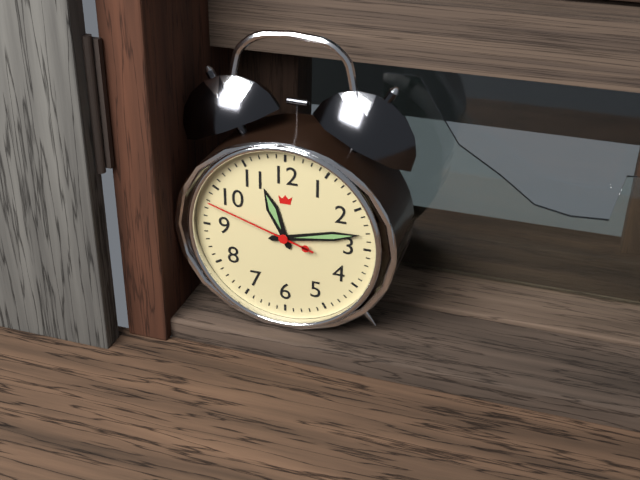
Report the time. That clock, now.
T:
11:13:48
